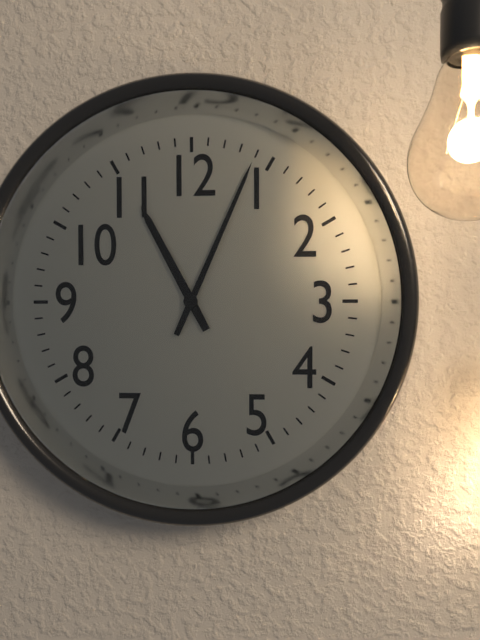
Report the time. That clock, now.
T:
11:04
